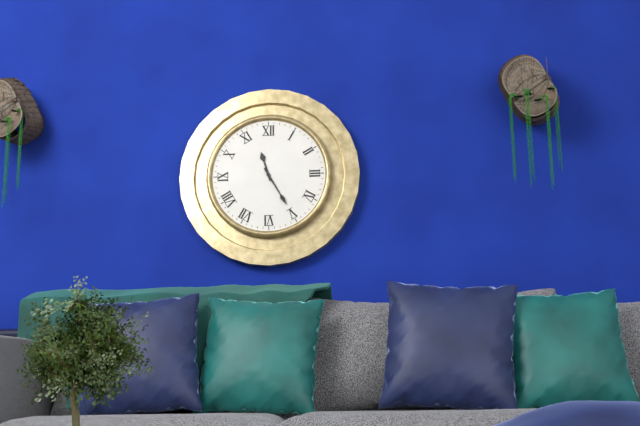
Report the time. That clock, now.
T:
11:25
